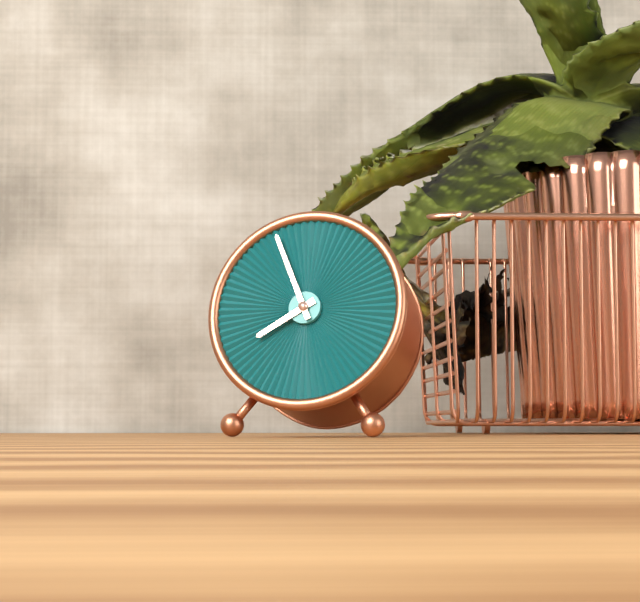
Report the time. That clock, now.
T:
7:56
